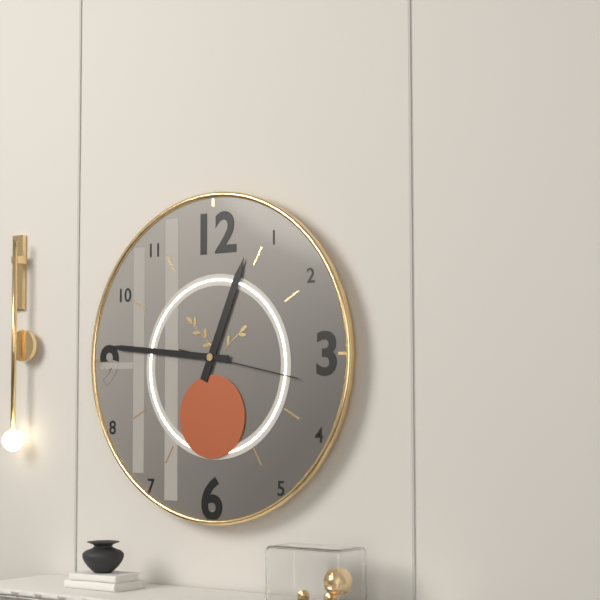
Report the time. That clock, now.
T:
12:46:17
